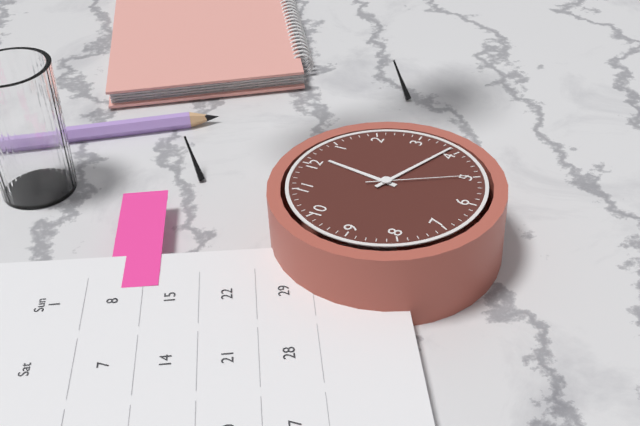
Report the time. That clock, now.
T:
12:19:25
